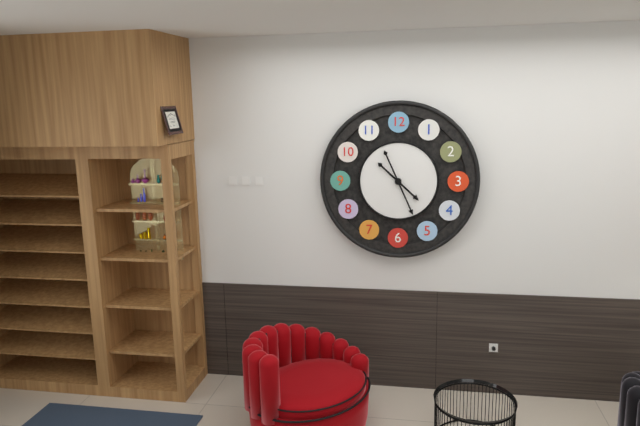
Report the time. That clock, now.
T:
4:26
